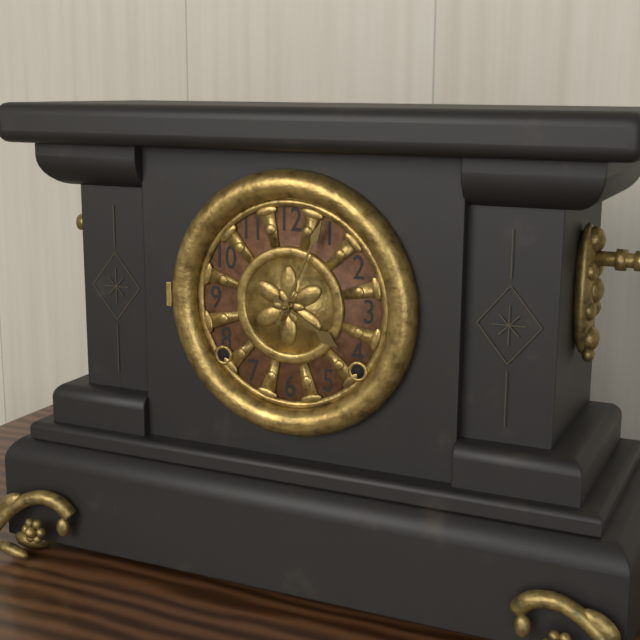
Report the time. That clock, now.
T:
4:04
